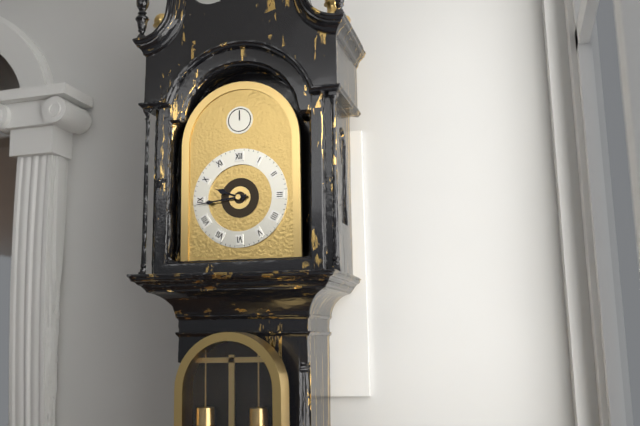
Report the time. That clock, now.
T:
9:44
